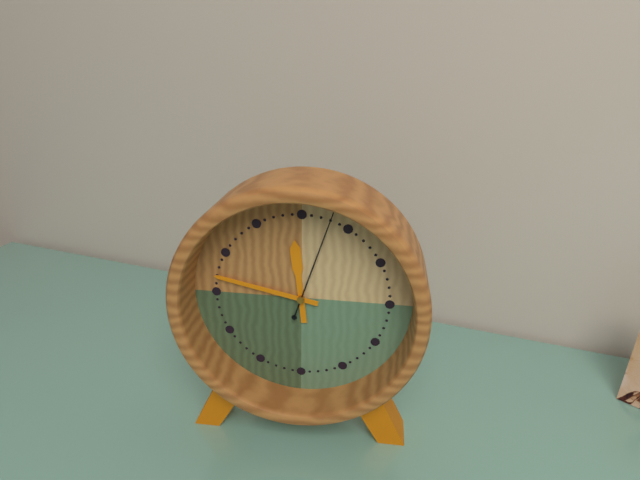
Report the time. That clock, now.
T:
11:47:03
